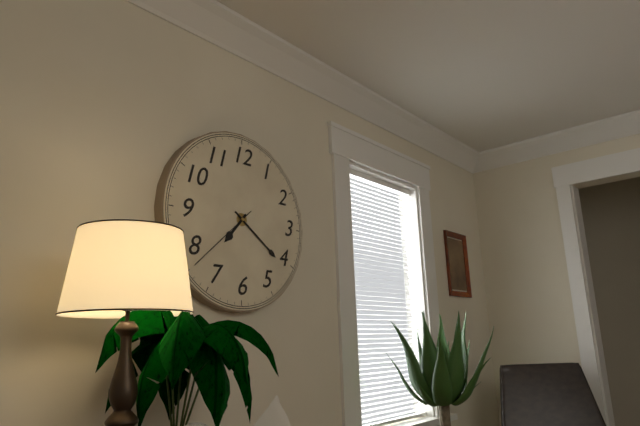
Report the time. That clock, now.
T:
7:21:38
